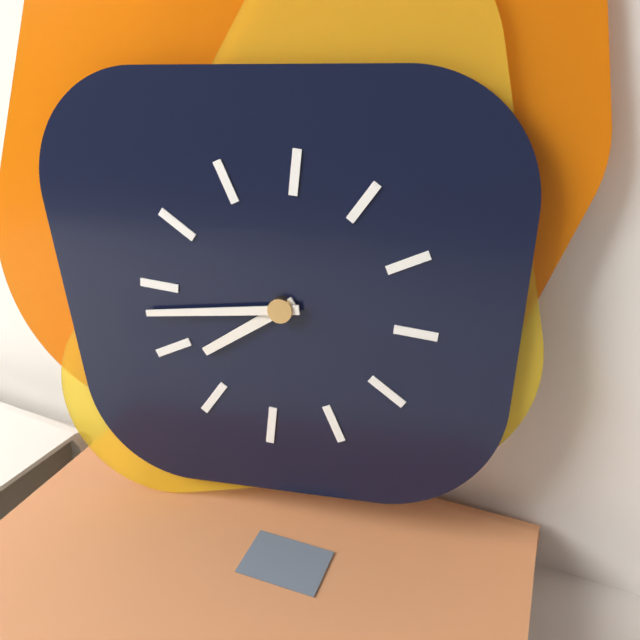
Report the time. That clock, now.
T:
7:43
